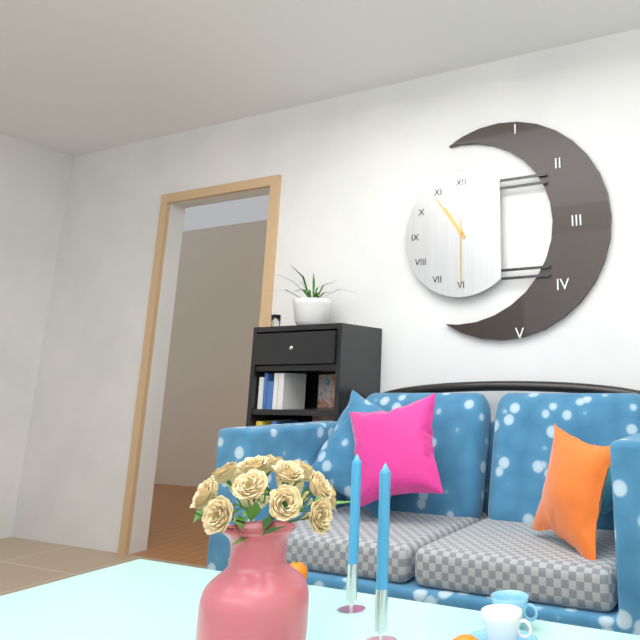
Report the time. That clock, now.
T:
10:54:30
